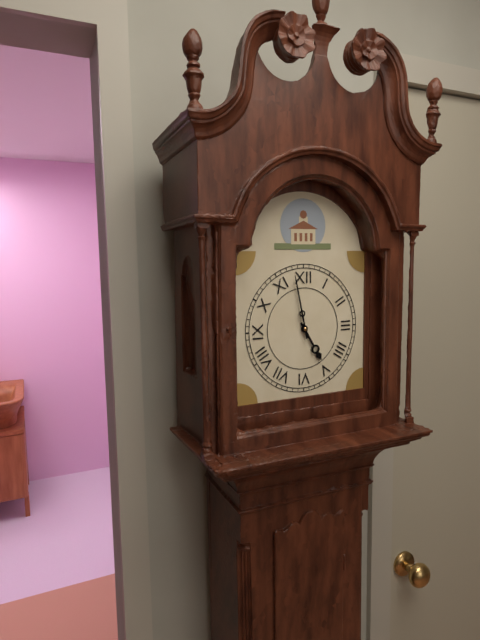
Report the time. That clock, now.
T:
4:58
